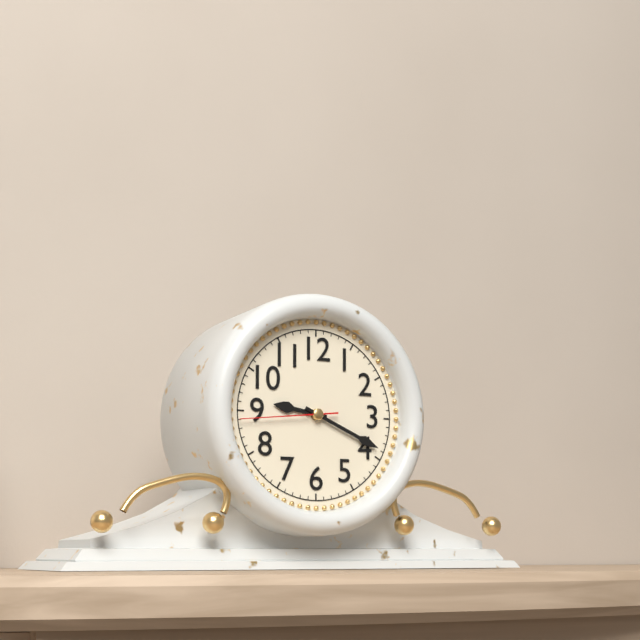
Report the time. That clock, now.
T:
9:19:44
